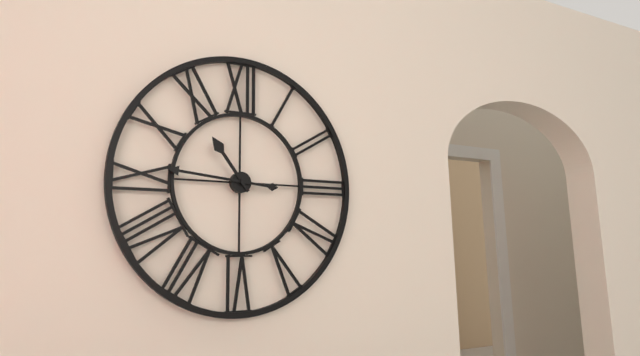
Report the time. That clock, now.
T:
10:46
